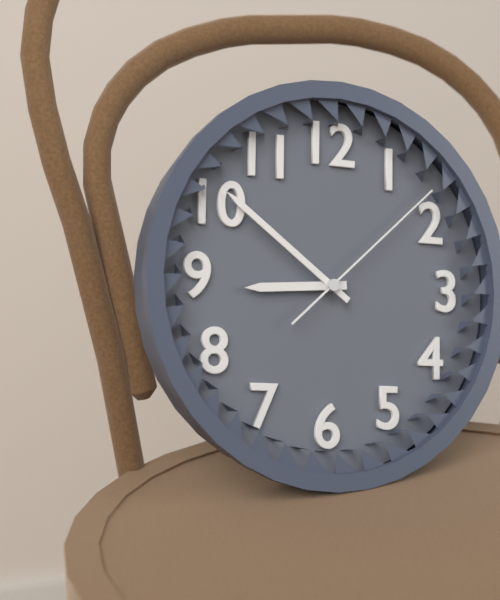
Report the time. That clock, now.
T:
8:51:08
